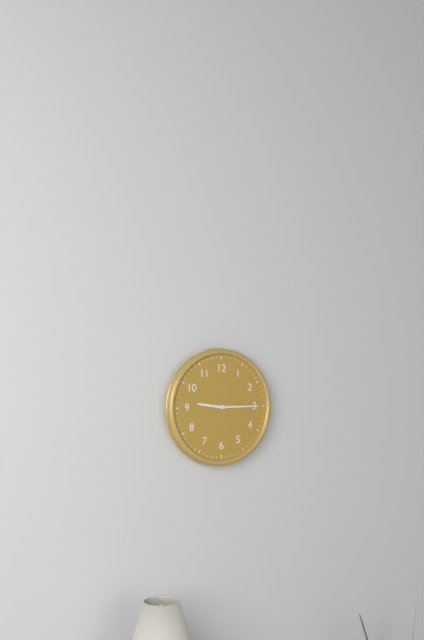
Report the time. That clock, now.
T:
9:15
